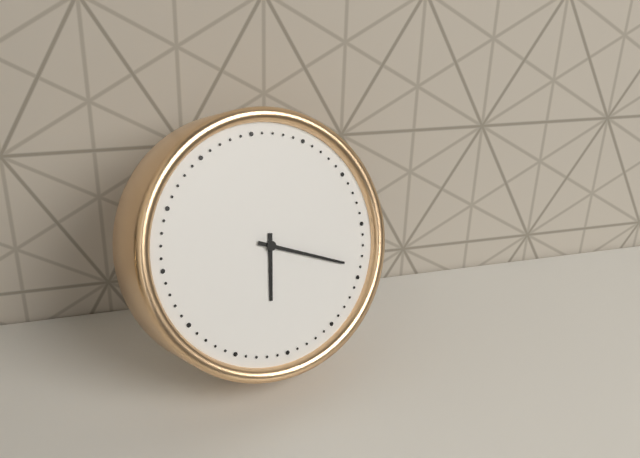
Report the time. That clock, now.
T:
6:19
